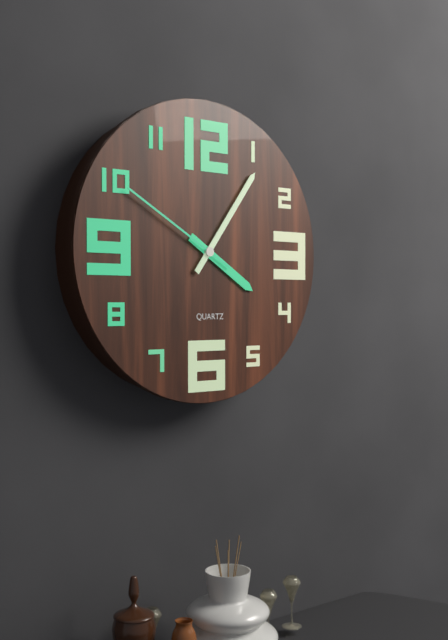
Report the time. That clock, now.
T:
4:06:50
